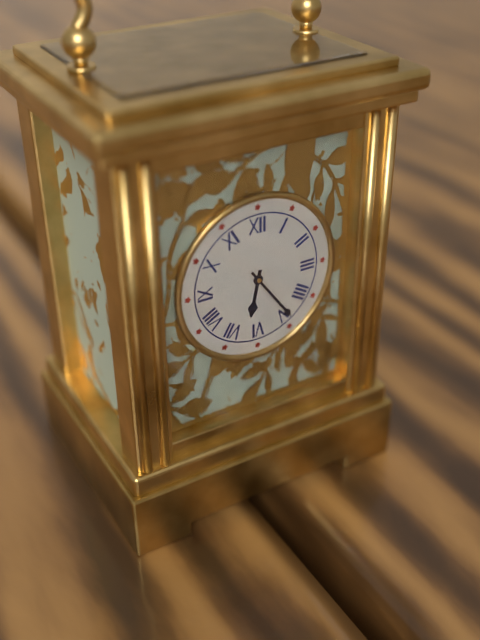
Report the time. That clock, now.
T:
6:24
